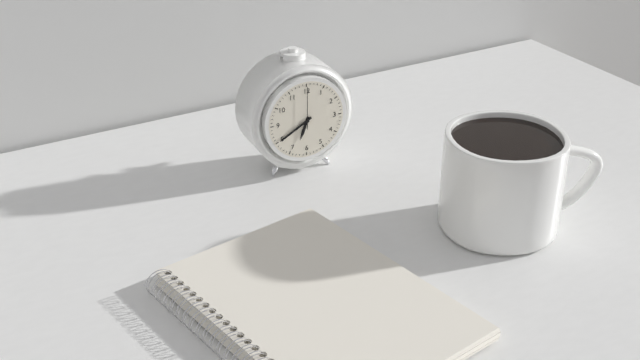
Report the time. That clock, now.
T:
6:40
